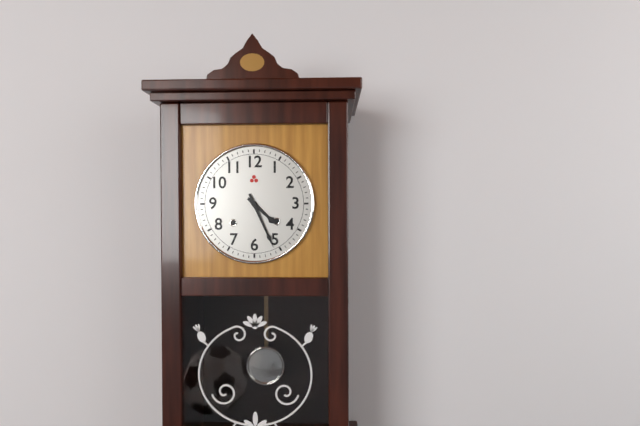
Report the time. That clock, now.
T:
4:26
